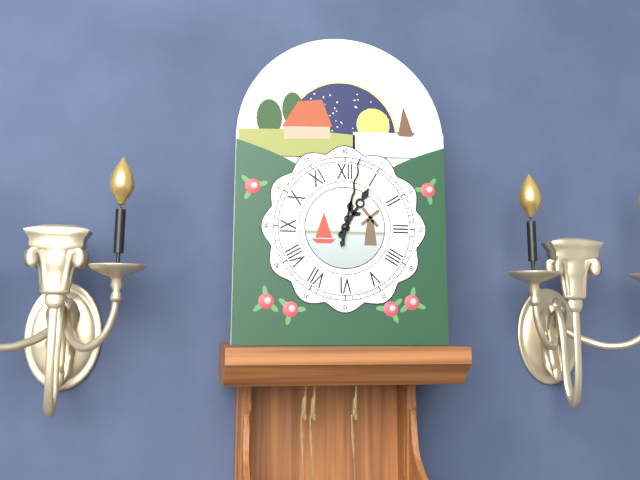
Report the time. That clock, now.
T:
1:02
